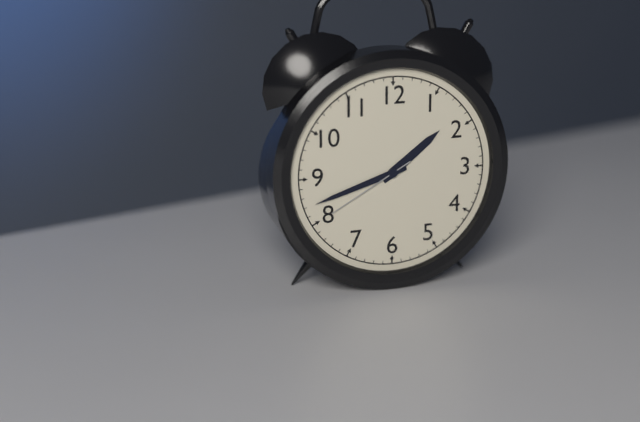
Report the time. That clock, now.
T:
1:42:40
